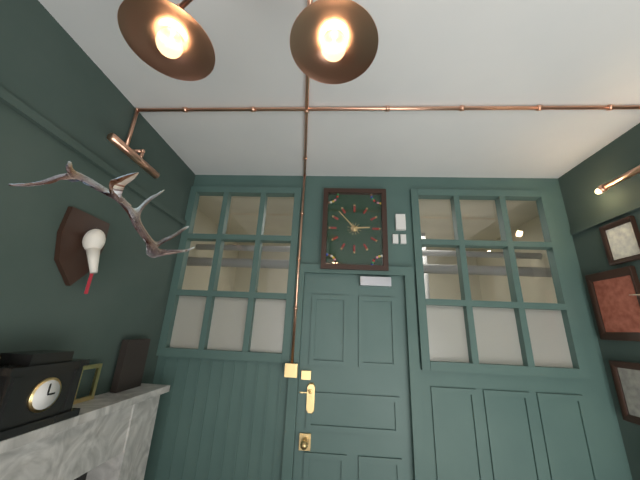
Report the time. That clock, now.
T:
2:53
